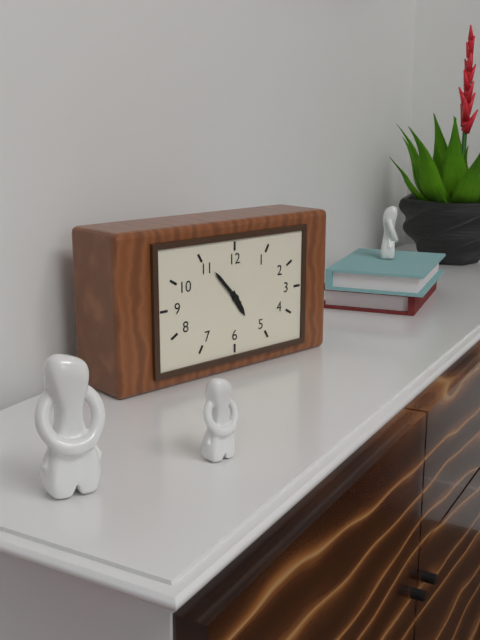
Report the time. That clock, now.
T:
4:53
